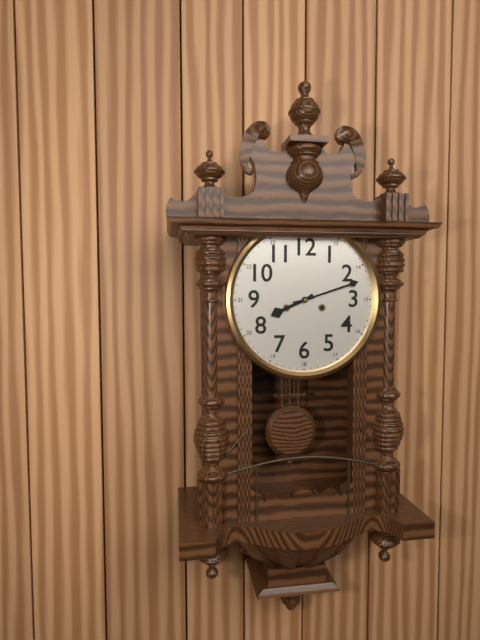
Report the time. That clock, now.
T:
8:12
